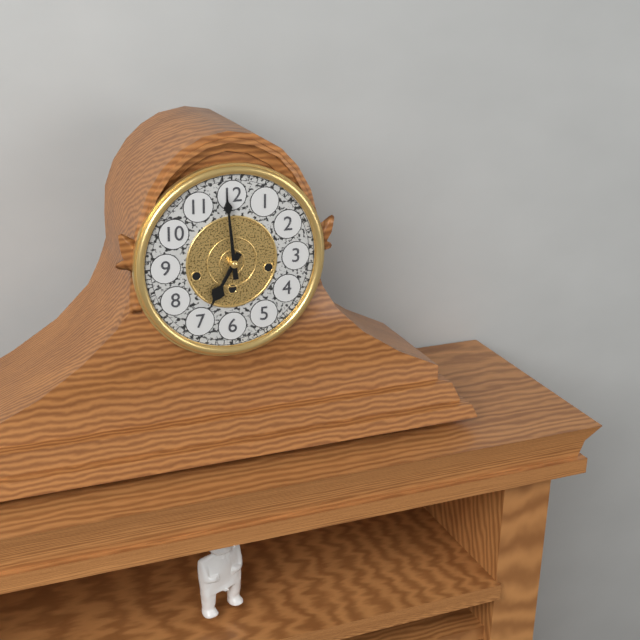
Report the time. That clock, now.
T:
6:59
